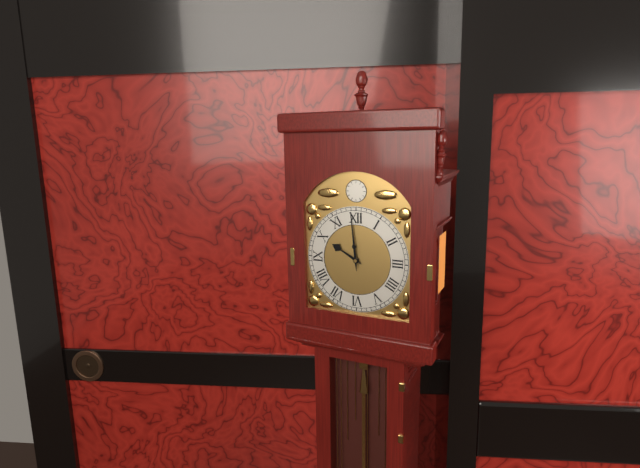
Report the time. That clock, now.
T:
9:59
